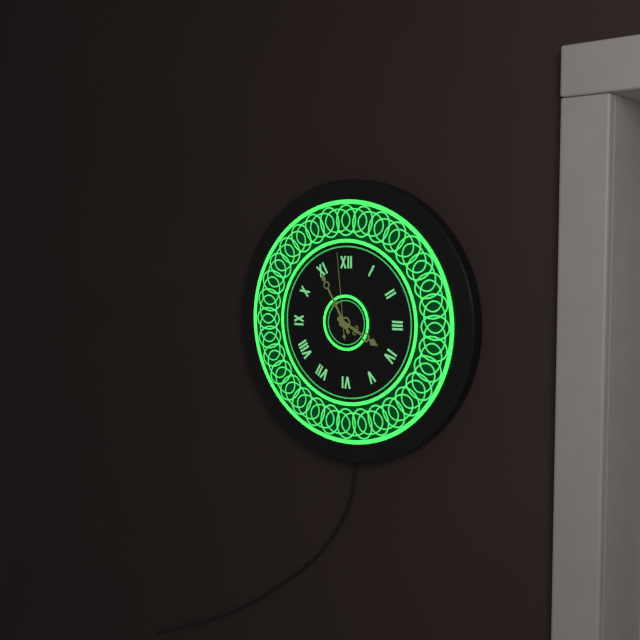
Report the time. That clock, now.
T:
3:55:59
